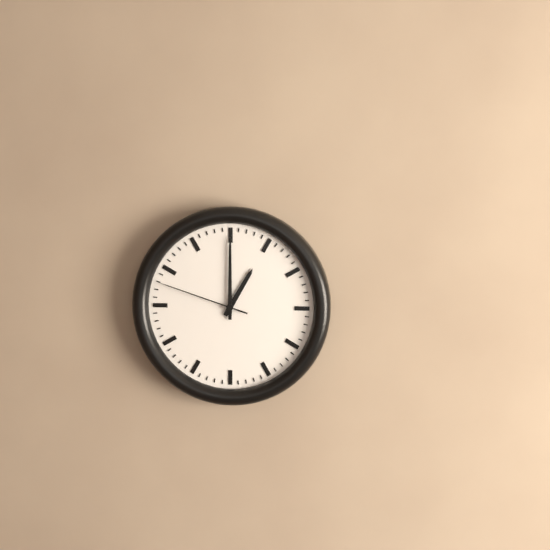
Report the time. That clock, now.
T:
1:00:48
